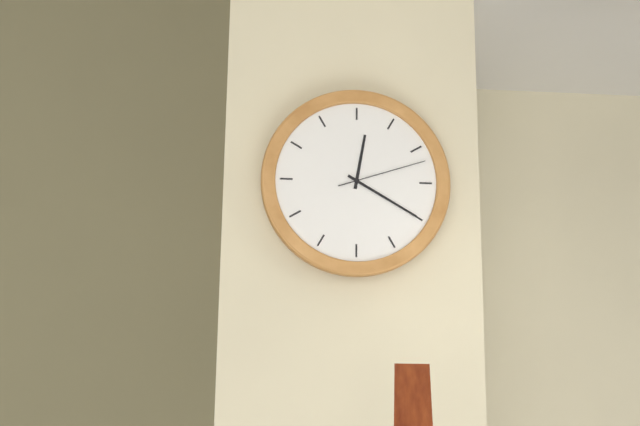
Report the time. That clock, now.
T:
12:20:12
